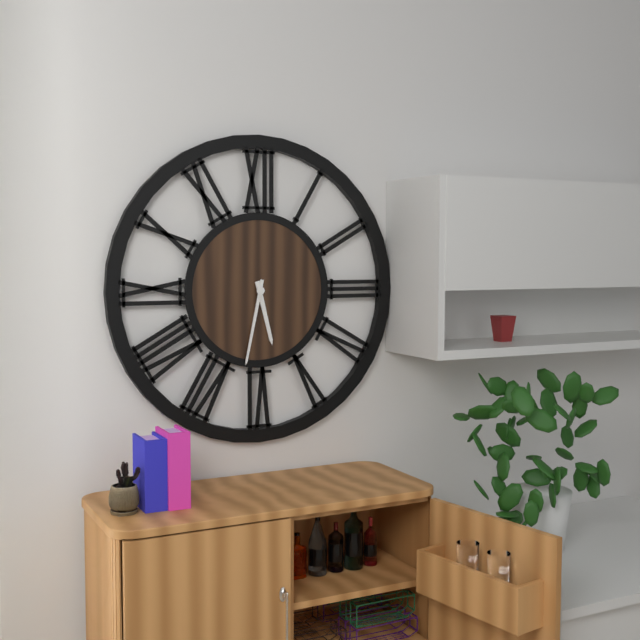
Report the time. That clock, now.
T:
5:32
